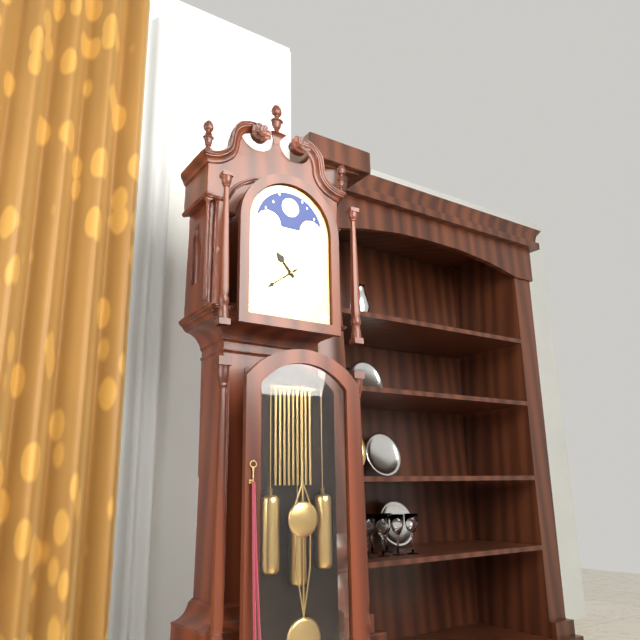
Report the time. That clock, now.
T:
10:39
